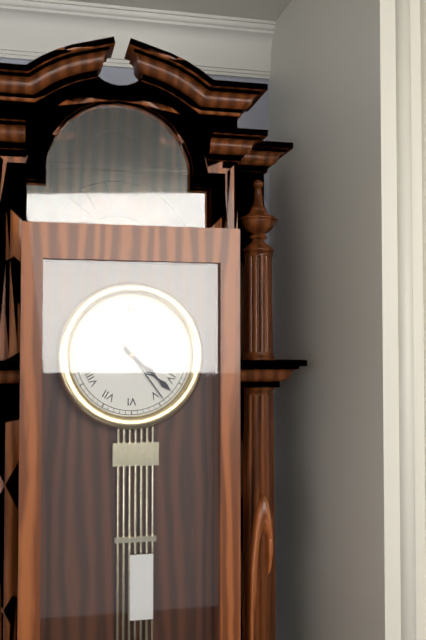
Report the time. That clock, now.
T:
4:22:24
